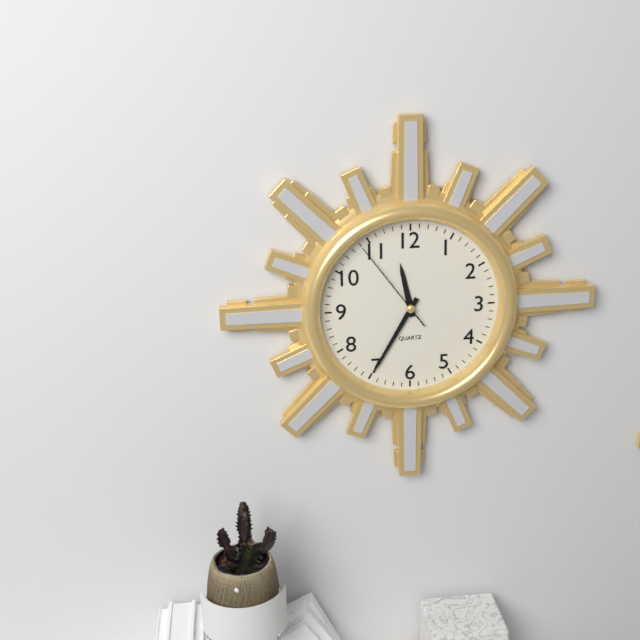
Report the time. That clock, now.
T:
11:35:54
